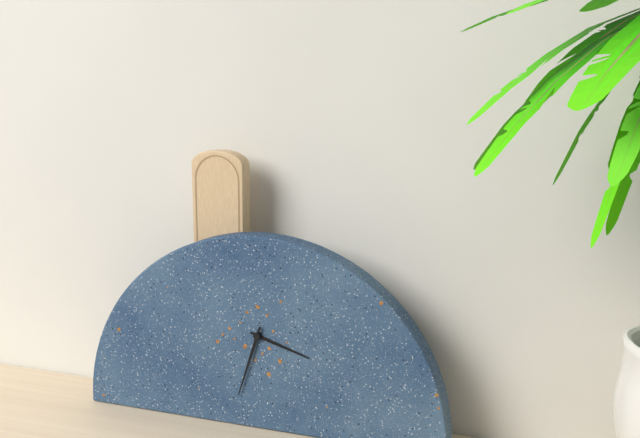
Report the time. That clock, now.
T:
3:33
